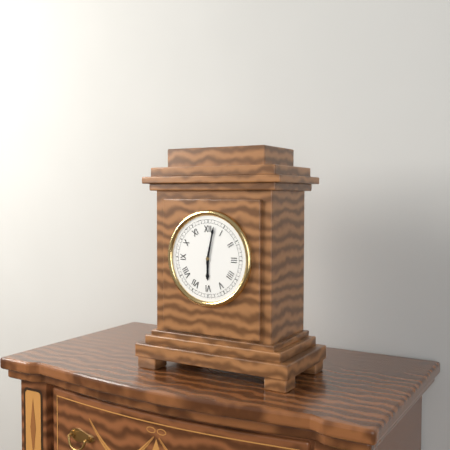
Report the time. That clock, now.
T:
6:02
